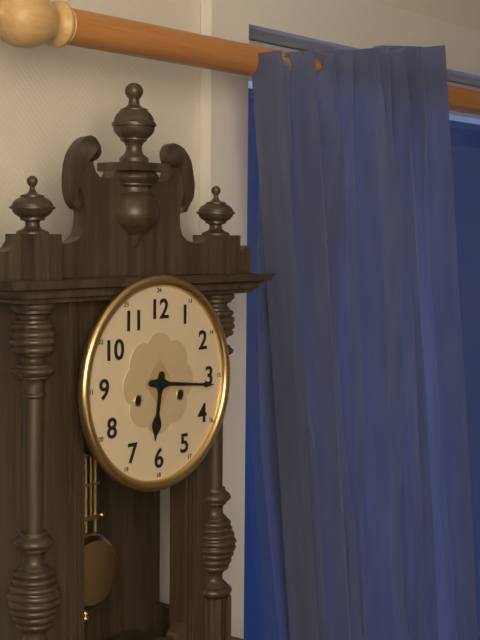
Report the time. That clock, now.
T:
6:16
